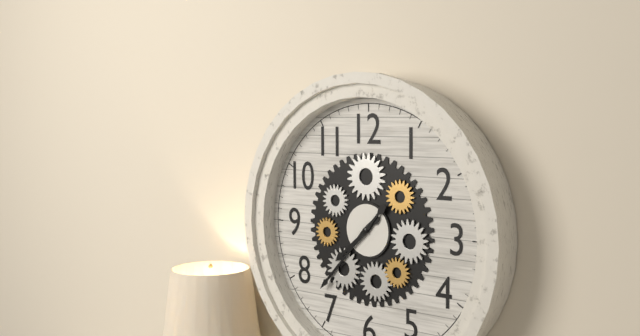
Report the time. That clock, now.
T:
7:37
